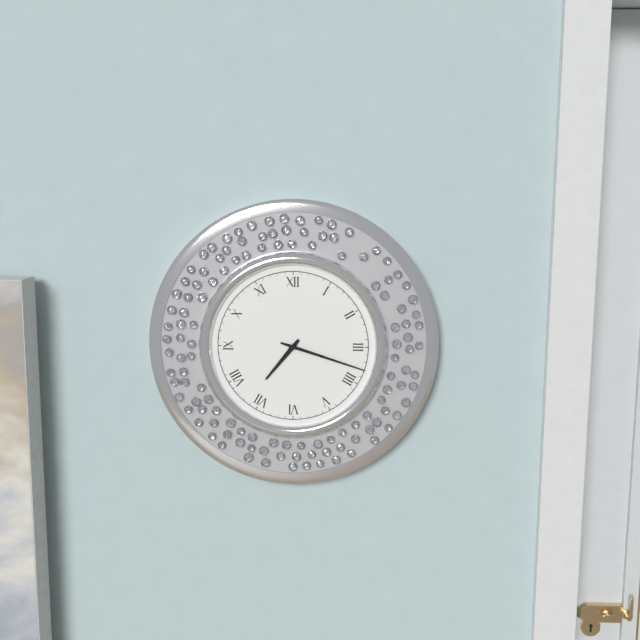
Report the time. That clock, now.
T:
7:18
